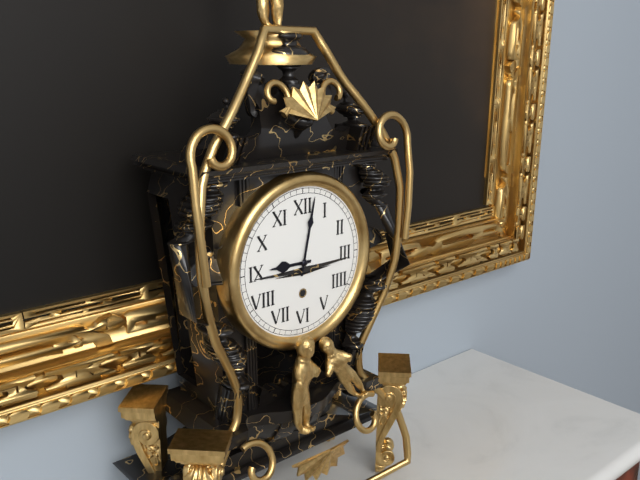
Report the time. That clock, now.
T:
9:02
